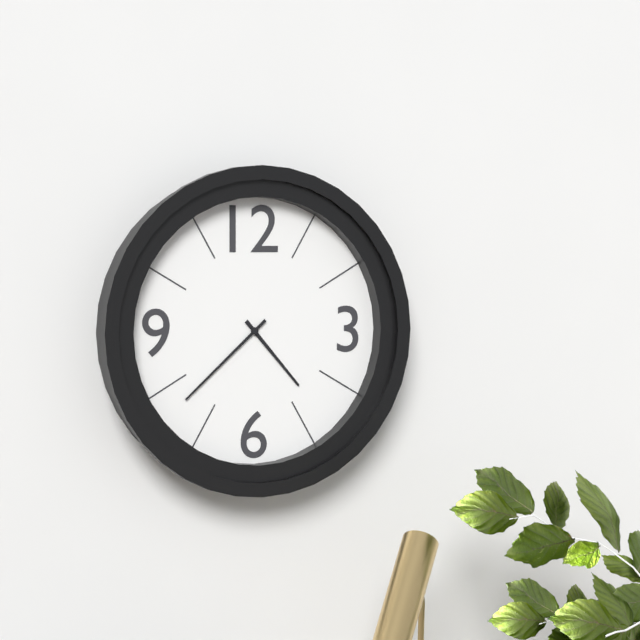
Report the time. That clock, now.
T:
4:38
